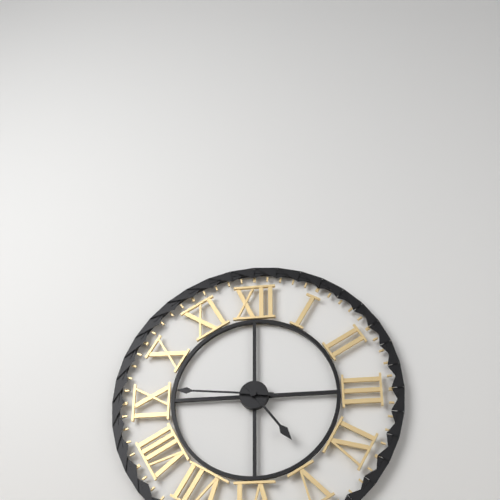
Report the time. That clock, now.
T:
4:46
